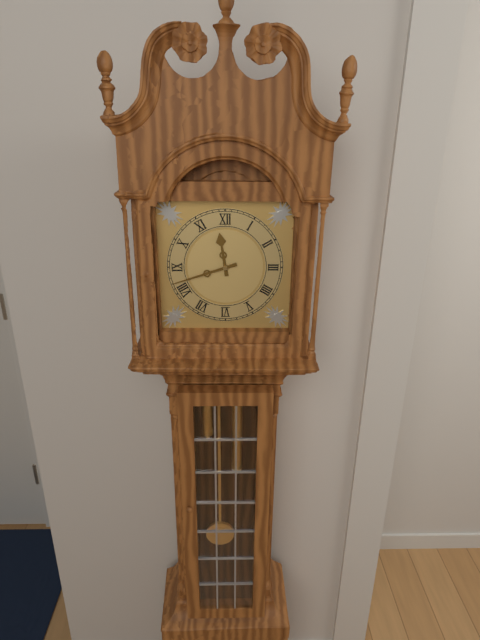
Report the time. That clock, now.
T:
11:42
